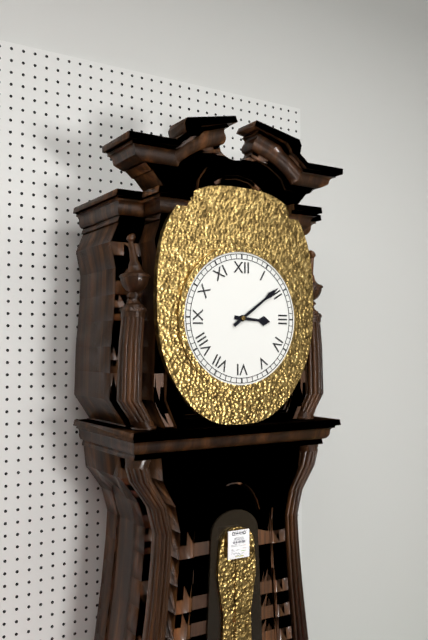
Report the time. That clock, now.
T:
3:09
